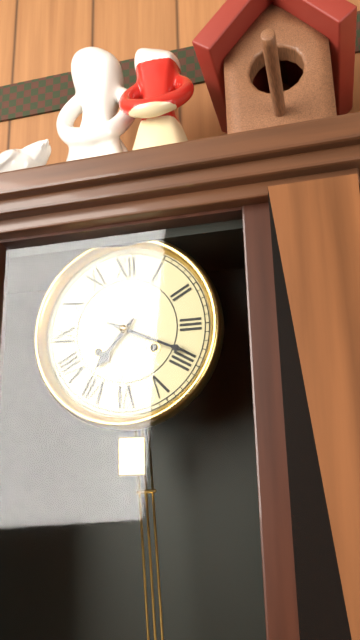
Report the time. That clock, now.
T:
7:19
